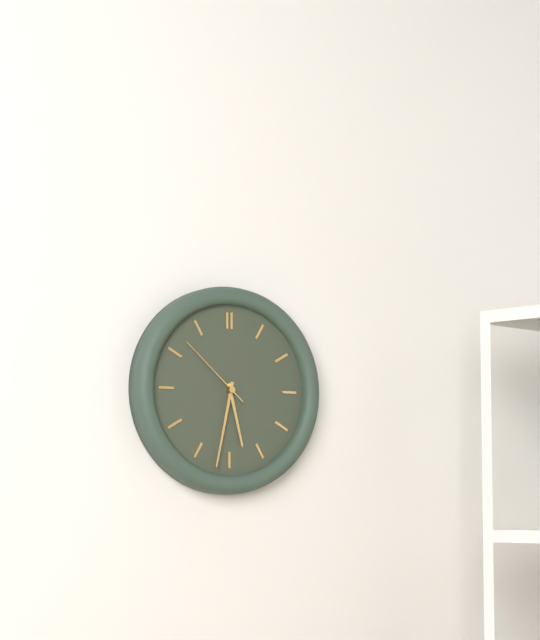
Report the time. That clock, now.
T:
5:32:52
